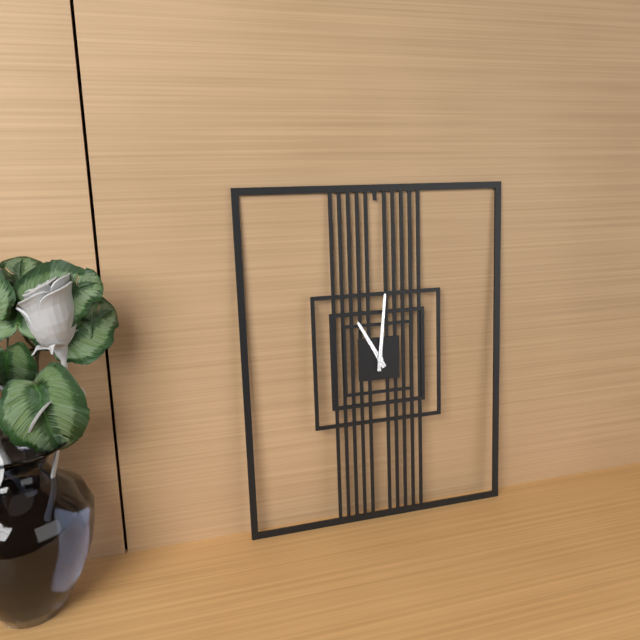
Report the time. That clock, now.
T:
11:01
